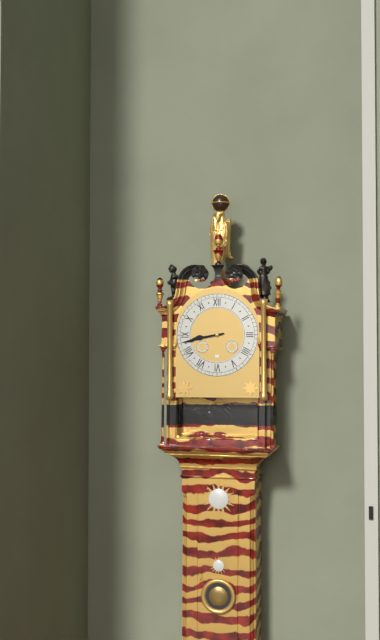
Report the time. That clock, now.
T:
8:43
